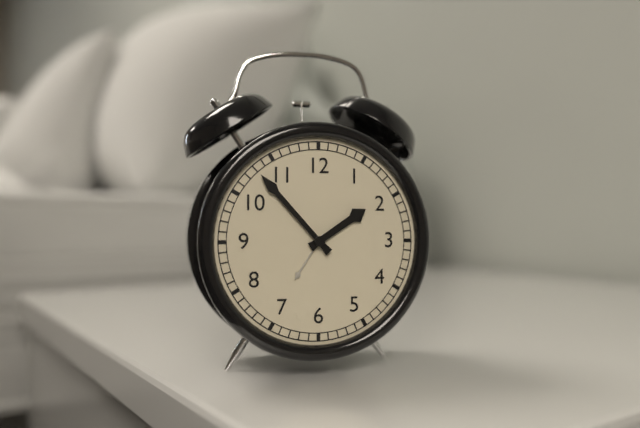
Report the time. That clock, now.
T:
1:53
